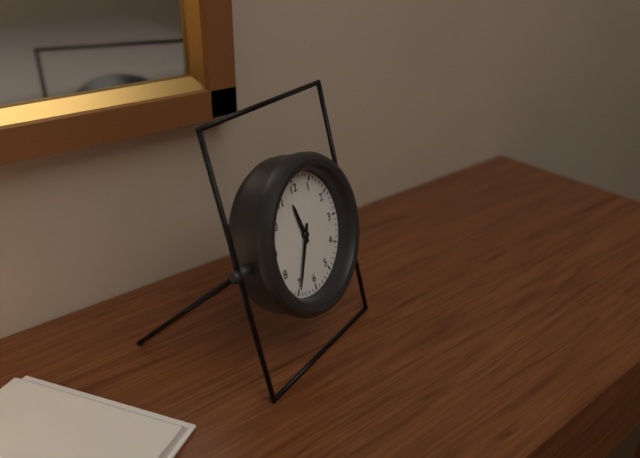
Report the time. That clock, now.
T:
11:35
